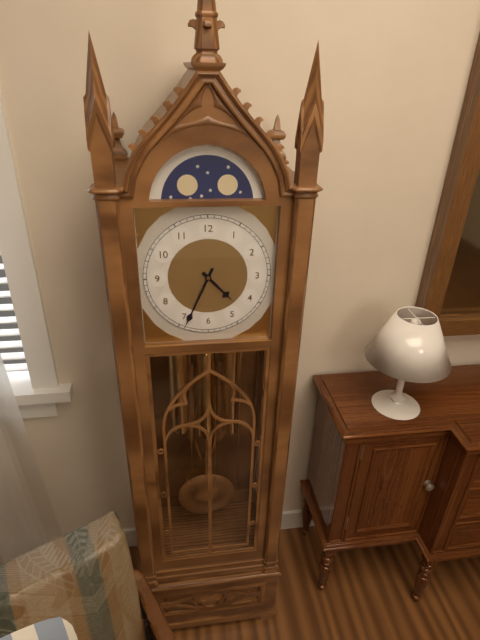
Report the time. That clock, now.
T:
4:34
